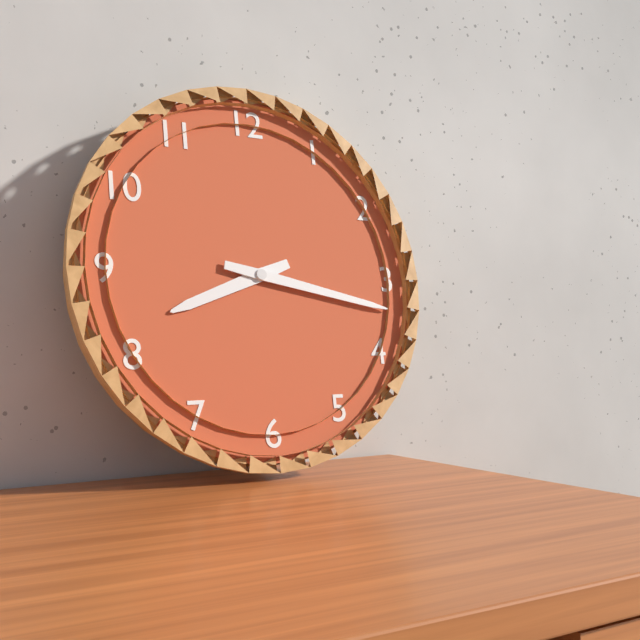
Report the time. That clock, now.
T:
8:17
